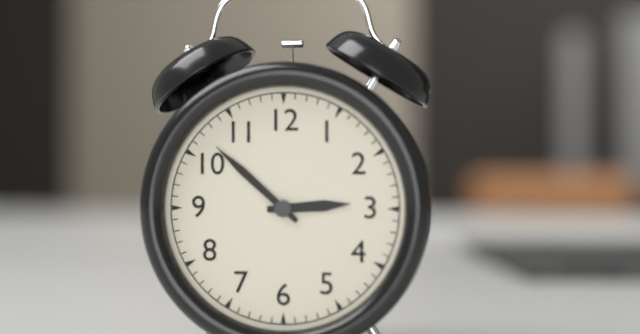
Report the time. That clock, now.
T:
2:52
